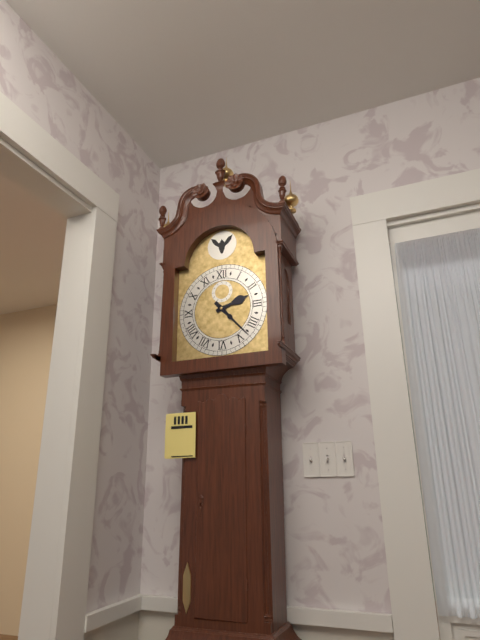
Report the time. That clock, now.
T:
2:23
